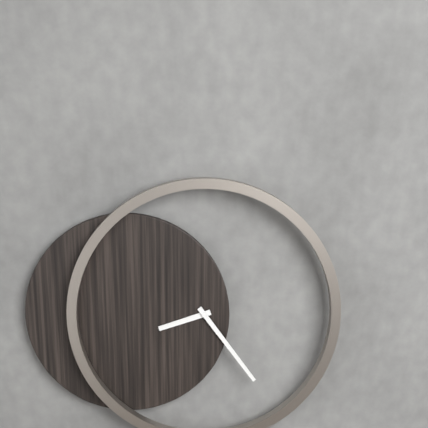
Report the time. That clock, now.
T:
8:24
